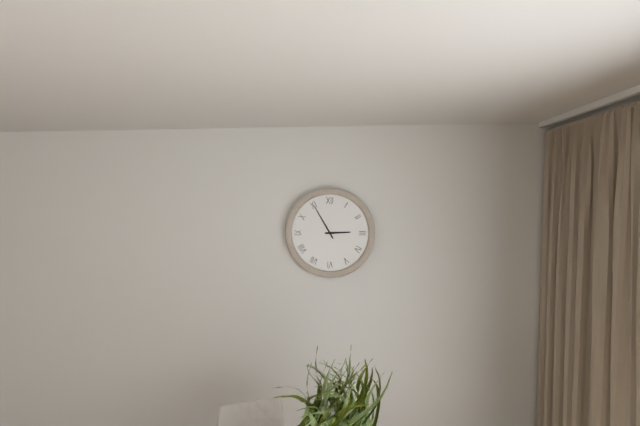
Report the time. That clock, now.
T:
2:55
